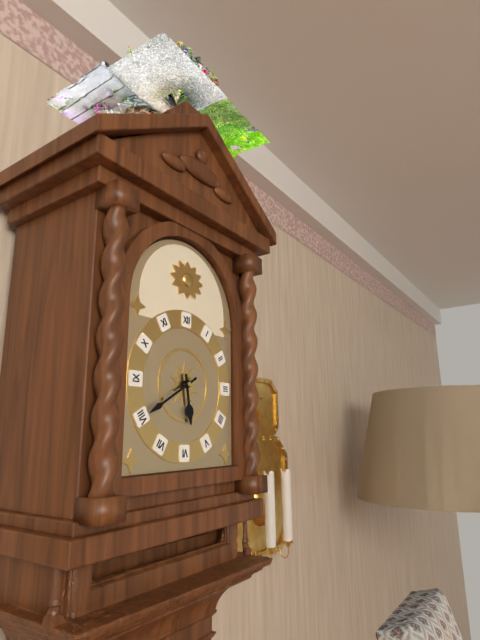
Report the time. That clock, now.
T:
5:40
